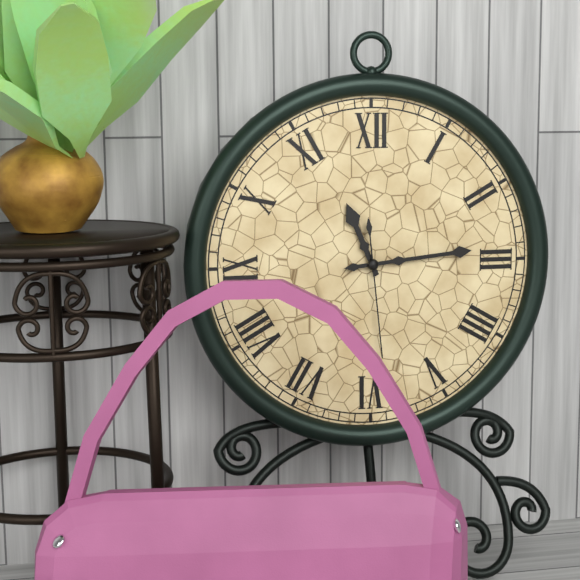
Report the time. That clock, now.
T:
11:14:29
